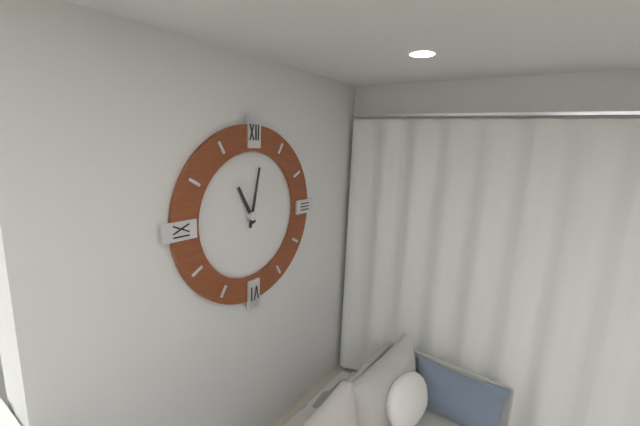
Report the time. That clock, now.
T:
11:02
